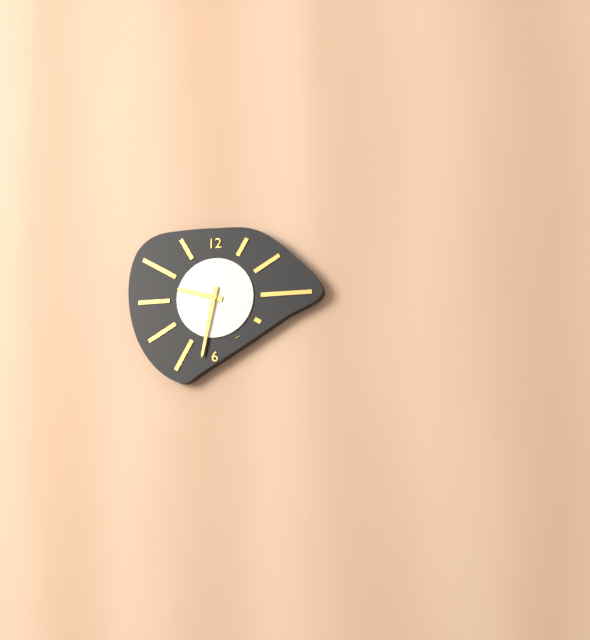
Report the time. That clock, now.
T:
9:32
